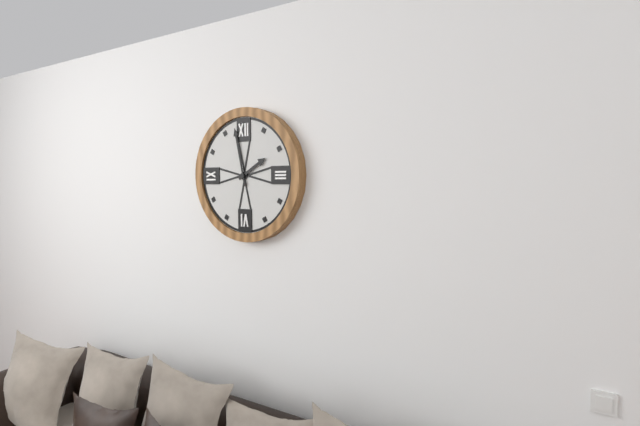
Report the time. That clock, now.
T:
1:58
